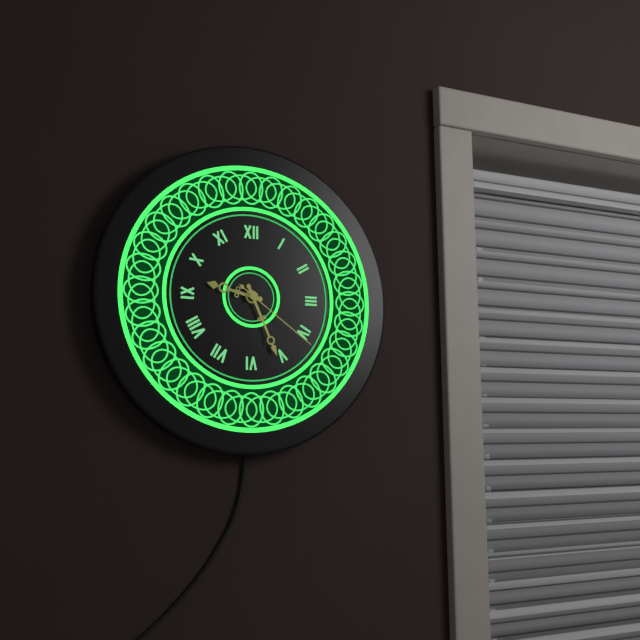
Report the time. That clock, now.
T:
9:26:21
